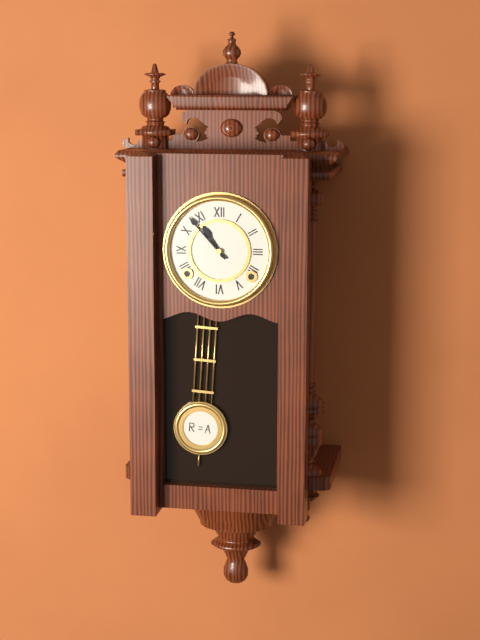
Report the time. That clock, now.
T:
10:53
